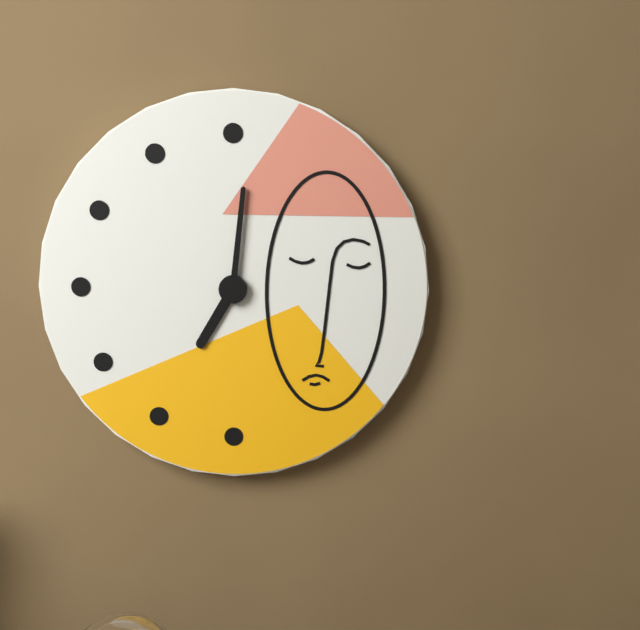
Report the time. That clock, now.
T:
7:01
